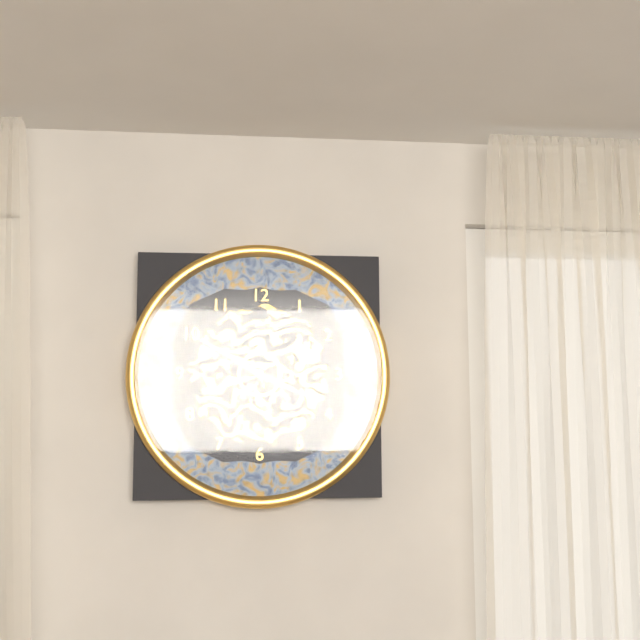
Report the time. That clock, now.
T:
3:50
